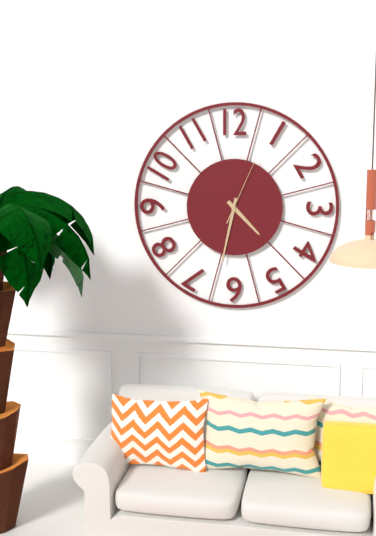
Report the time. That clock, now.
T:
4:32:04
